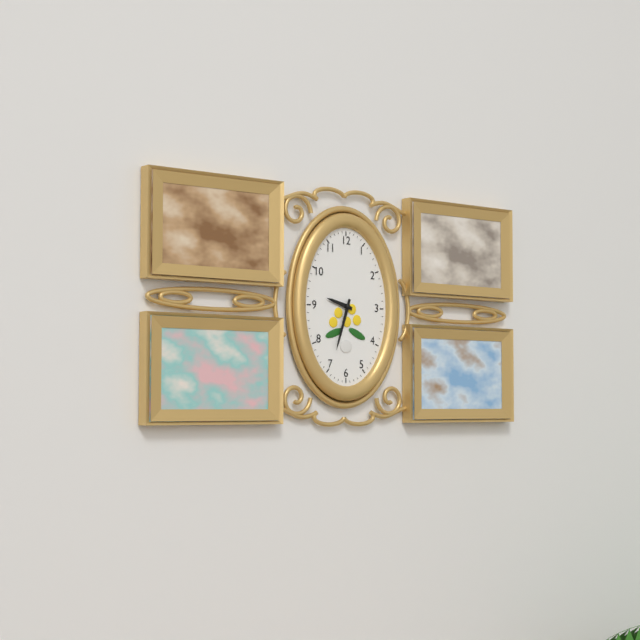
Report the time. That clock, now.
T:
9:33
